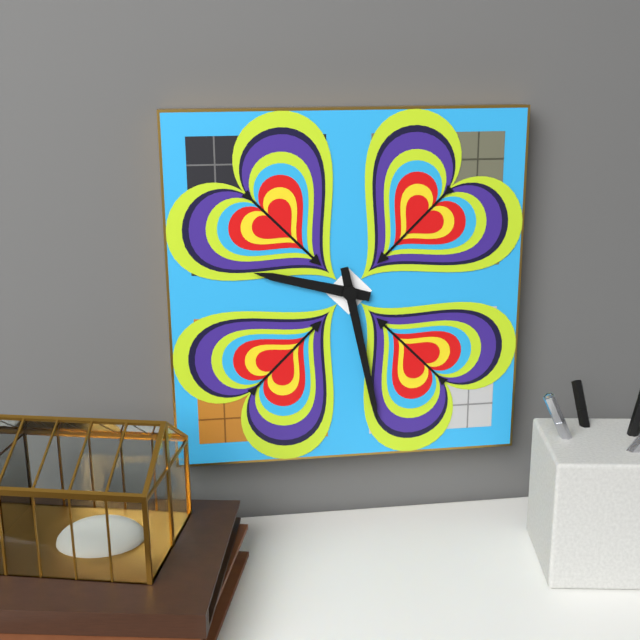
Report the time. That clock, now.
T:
9:28
